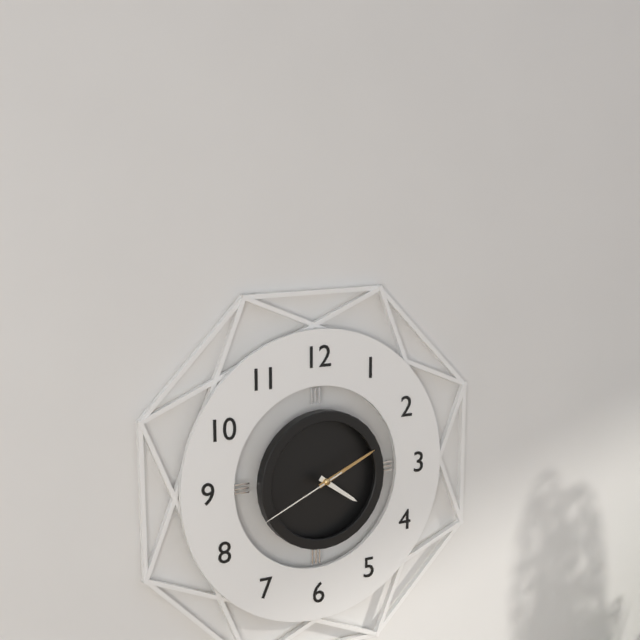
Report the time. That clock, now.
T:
4:11:41
